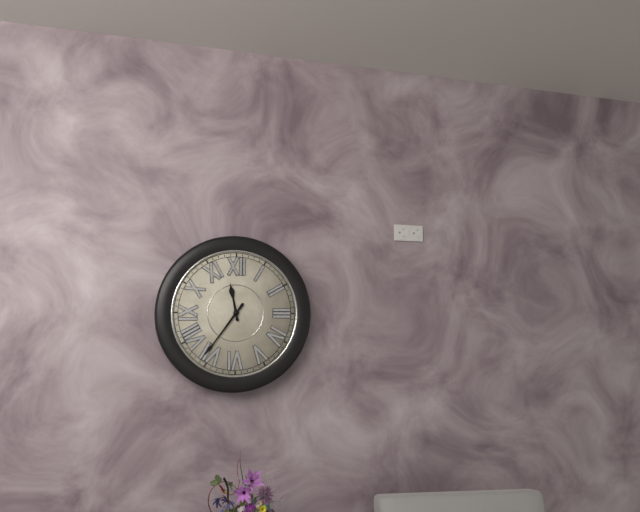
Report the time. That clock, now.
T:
11:36
